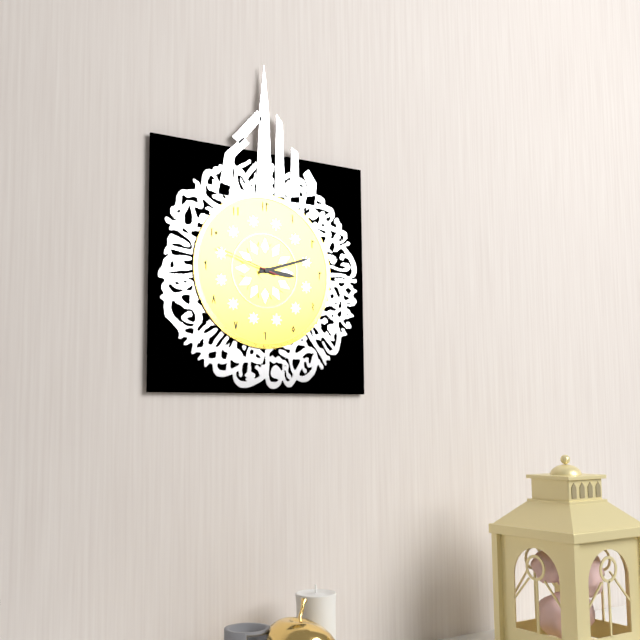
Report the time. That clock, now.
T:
3:12:48
